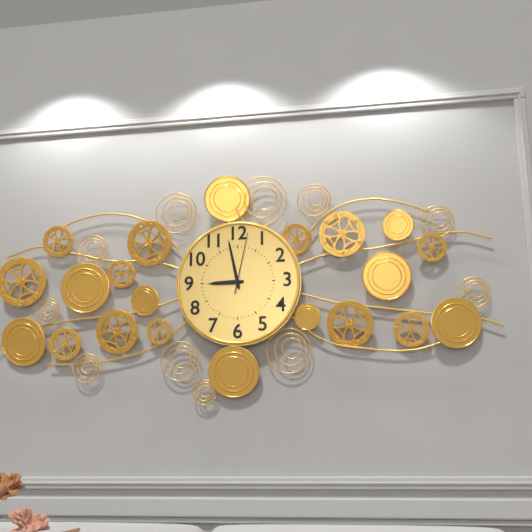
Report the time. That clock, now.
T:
8:58:02
